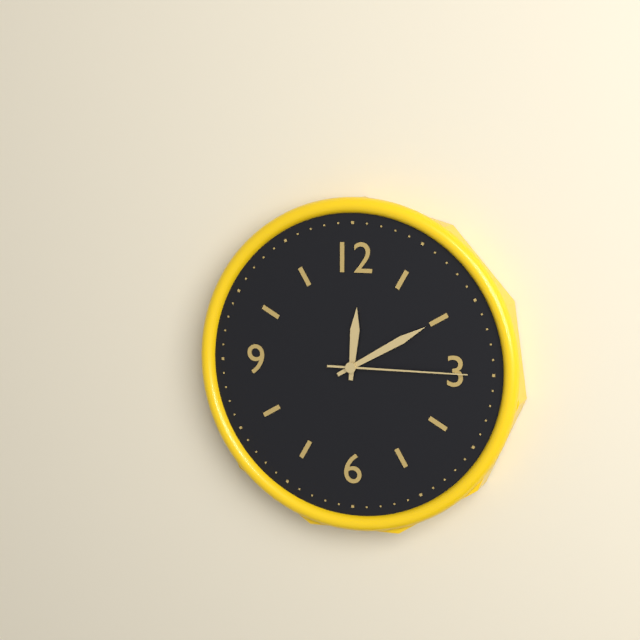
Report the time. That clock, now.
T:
12:10:15
